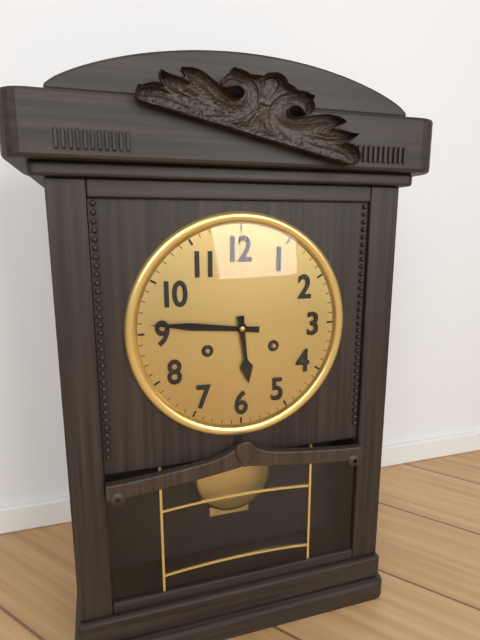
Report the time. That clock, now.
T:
5:46
